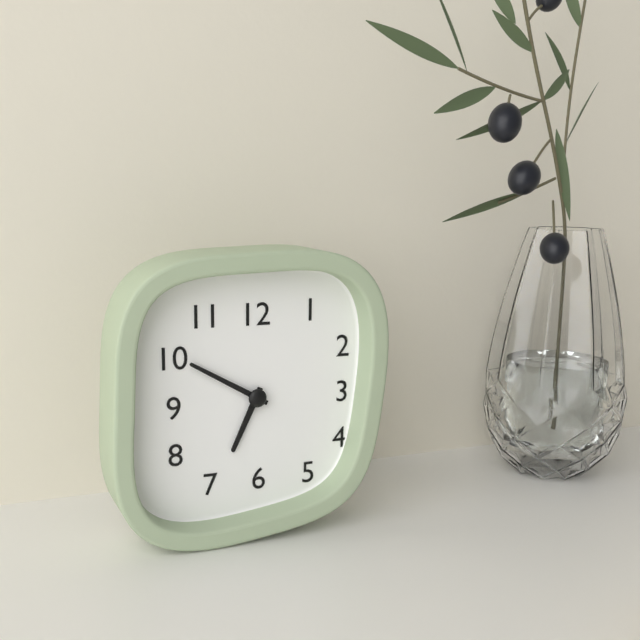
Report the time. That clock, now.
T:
6:50
